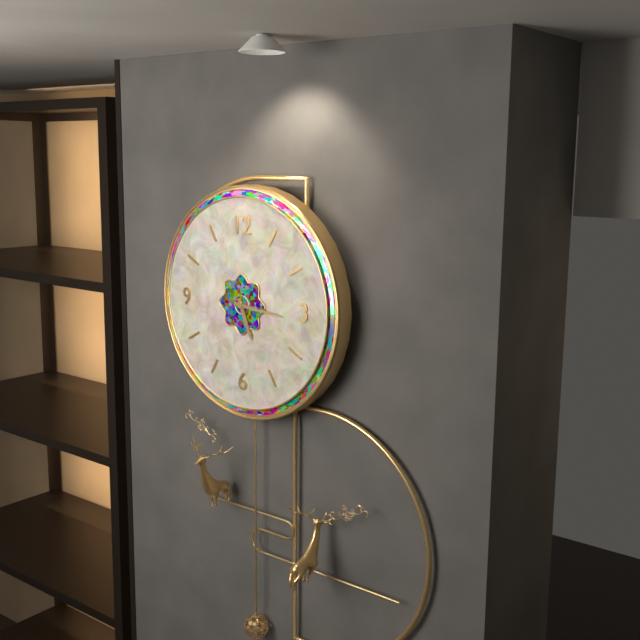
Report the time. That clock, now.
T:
5:16
